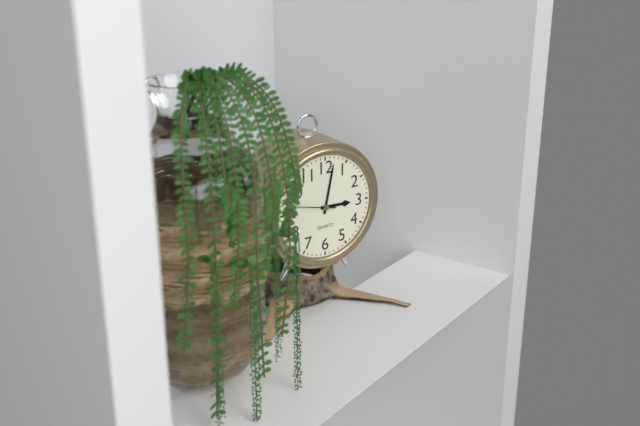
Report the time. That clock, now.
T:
3:02:47
